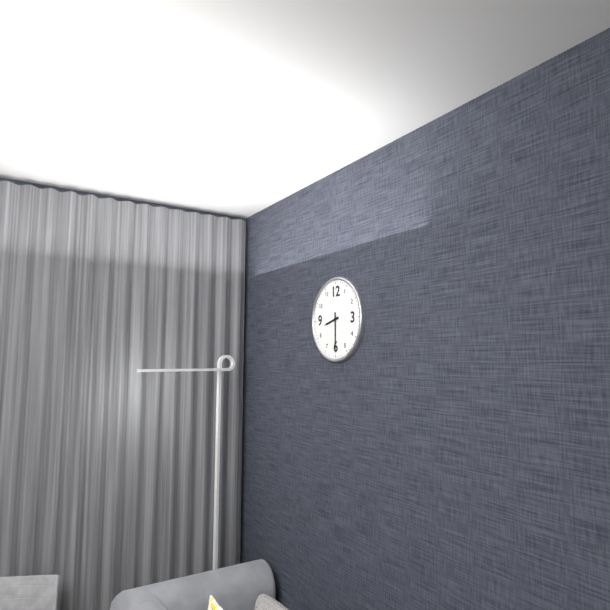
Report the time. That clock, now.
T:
8:30
